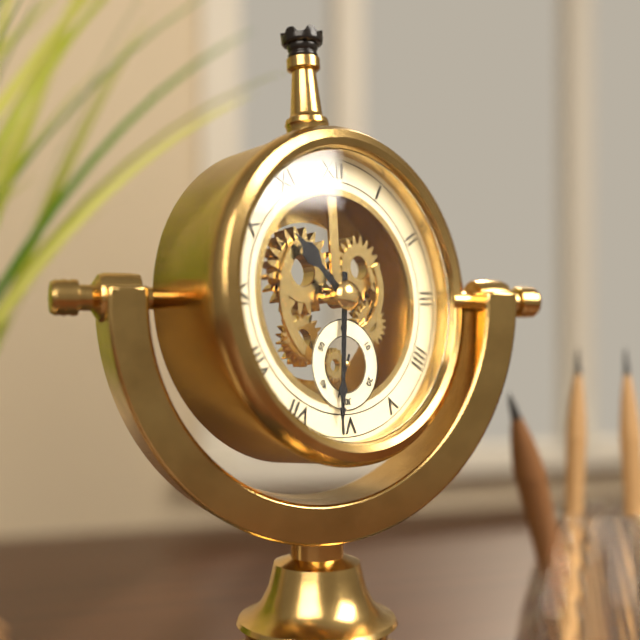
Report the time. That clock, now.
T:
10:31
